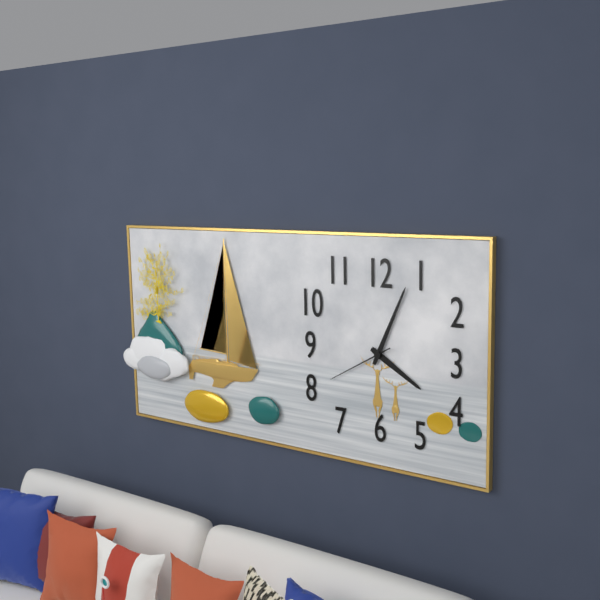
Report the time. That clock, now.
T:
4:04:40
